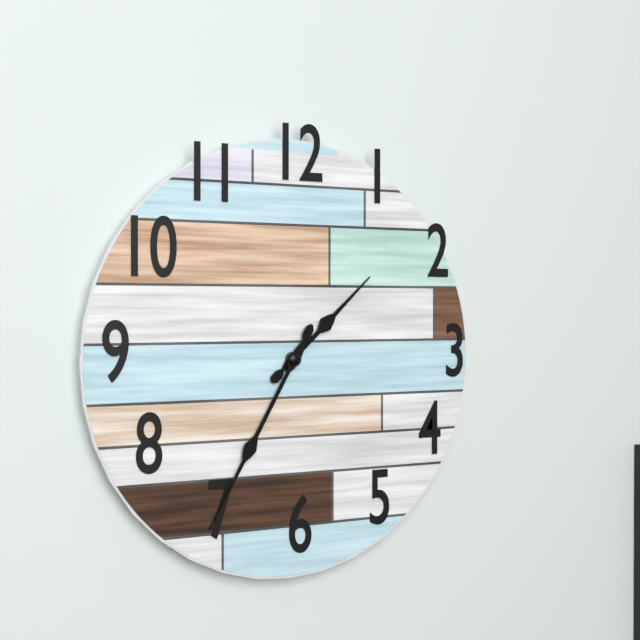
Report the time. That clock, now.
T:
1:35
